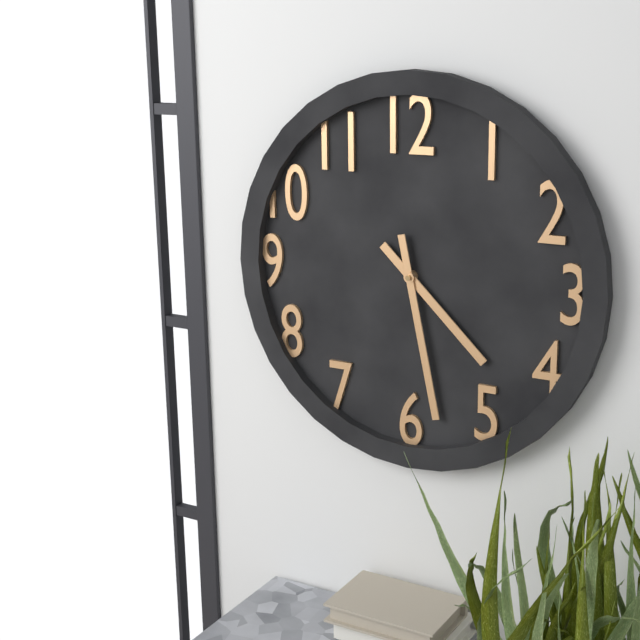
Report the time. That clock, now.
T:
4:28
